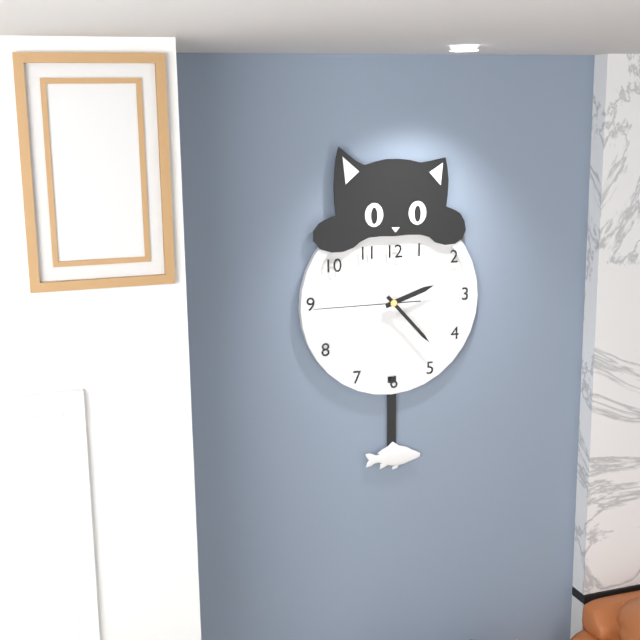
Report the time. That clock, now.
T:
2:23:45
